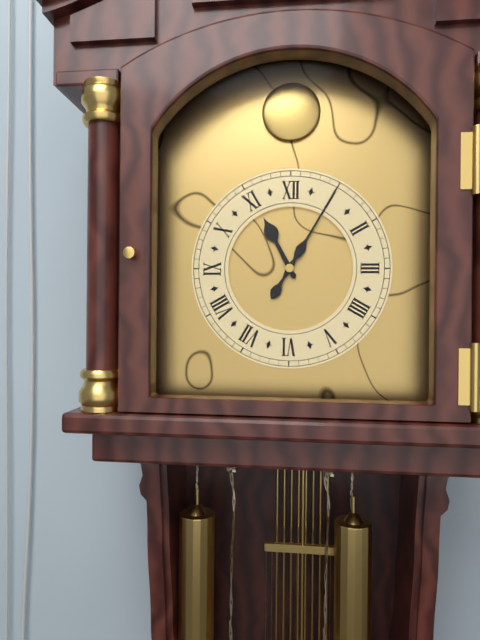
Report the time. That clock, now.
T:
11:05
